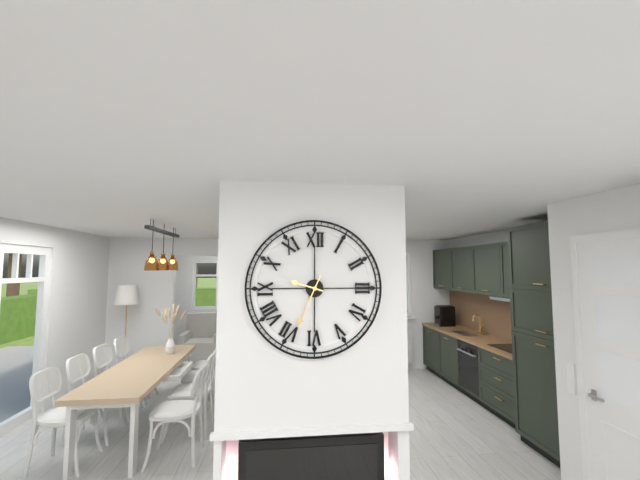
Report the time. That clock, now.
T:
9:34
